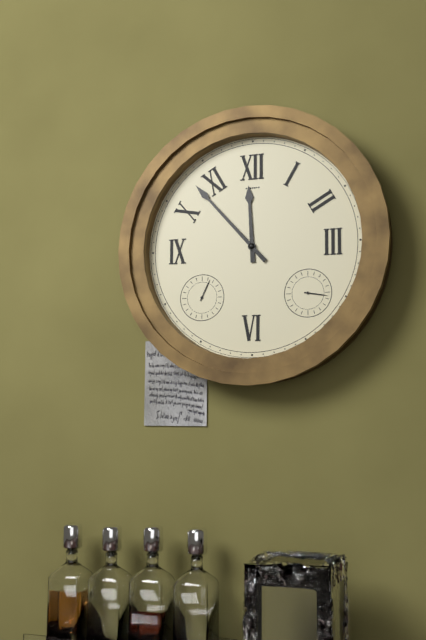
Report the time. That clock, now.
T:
11:53
